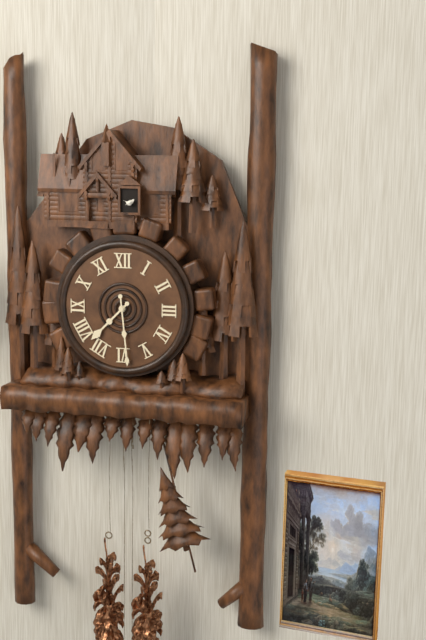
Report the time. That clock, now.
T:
7:29
